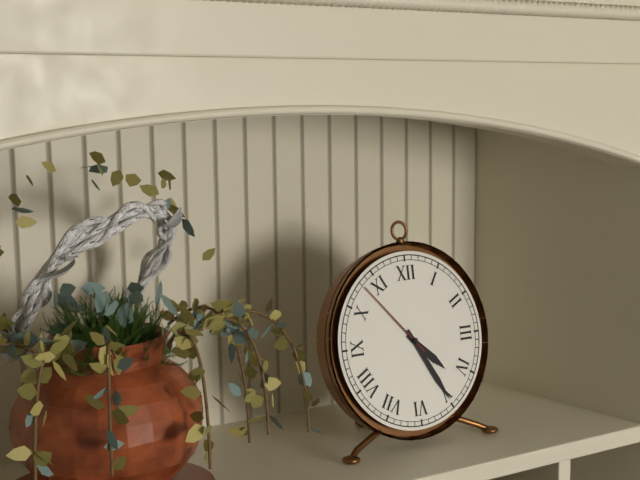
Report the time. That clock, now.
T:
4:25:53
